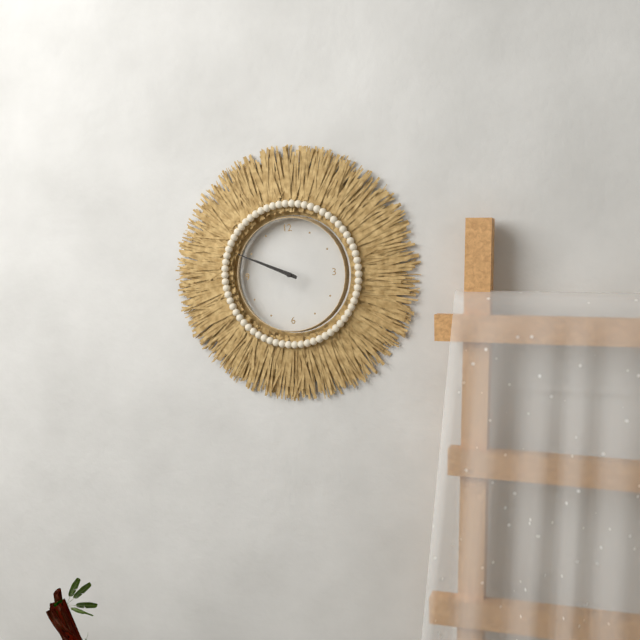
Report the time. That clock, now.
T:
9:49
